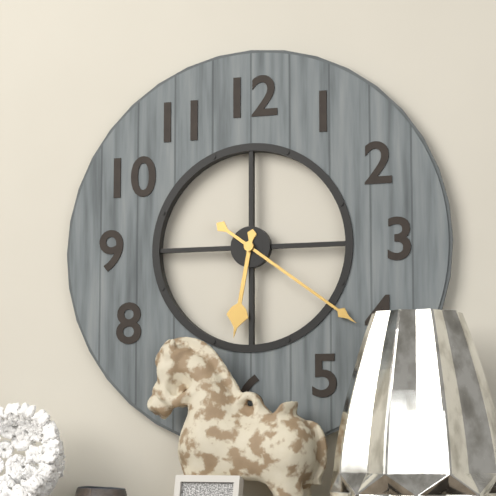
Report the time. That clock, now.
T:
6:21
